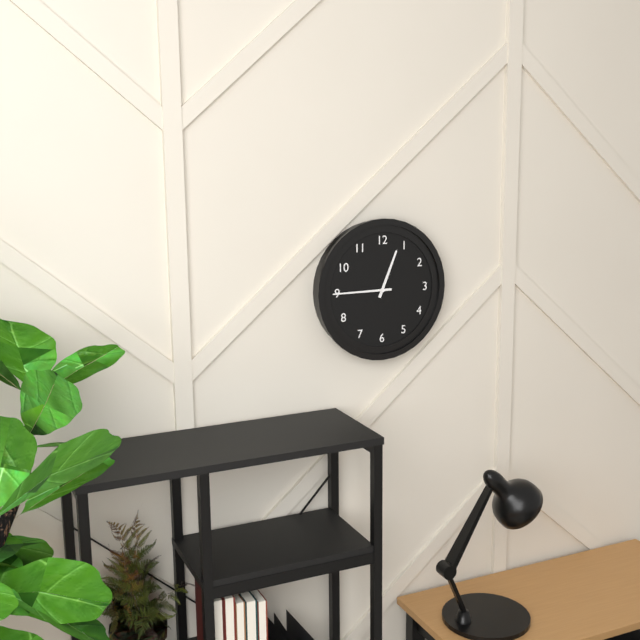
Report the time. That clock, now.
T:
12:45
